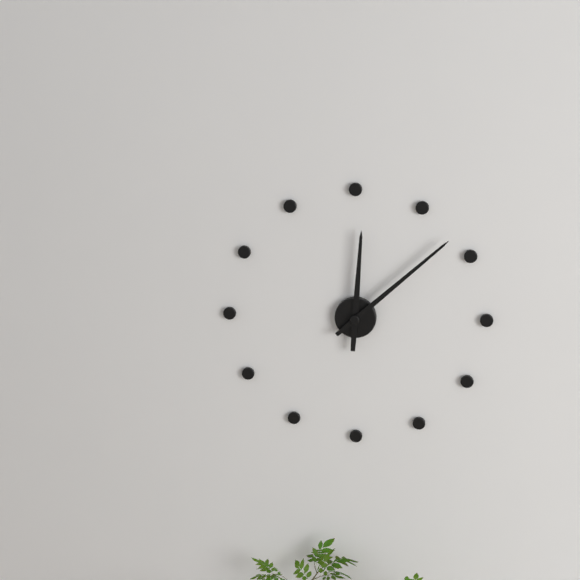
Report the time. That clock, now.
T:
12:08
